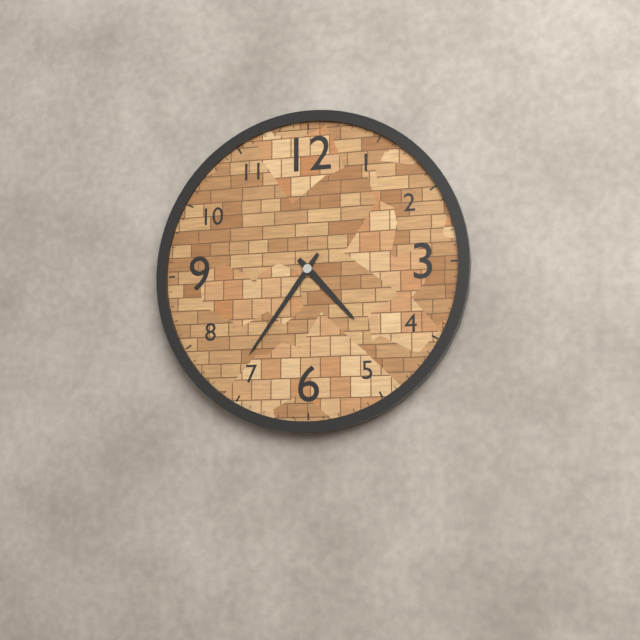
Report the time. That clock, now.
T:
4:36
